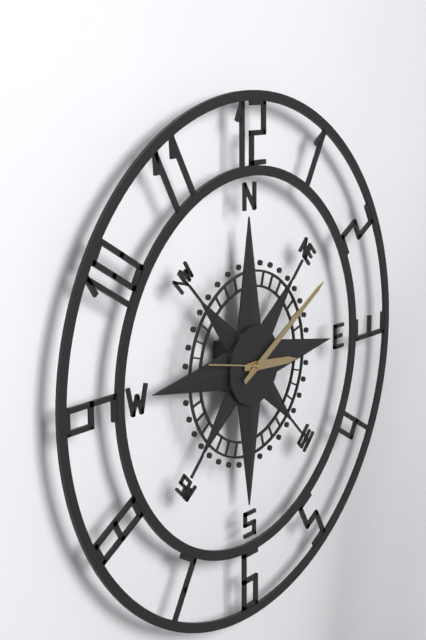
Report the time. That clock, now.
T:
3:10
